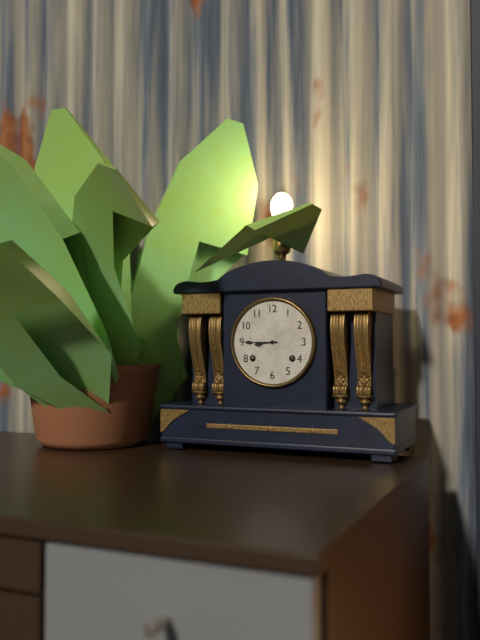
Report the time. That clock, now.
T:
8:45
